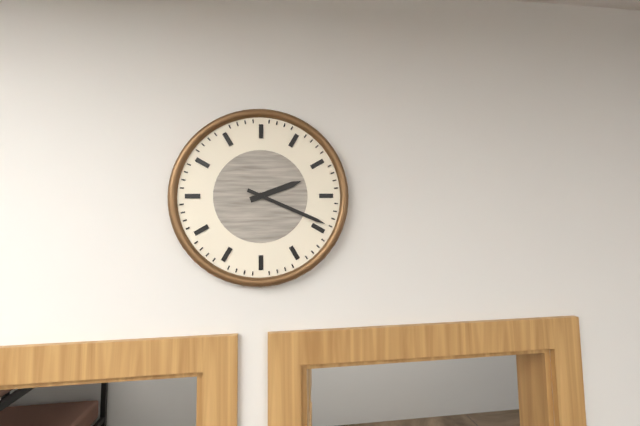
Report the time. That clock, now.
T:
2:19
